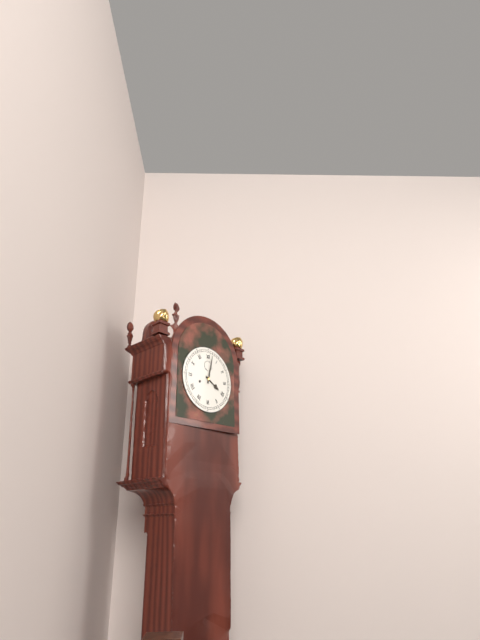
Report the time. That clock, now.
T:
4:02
